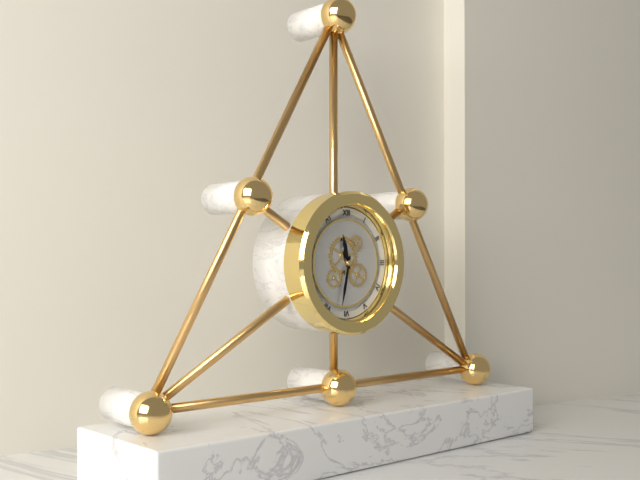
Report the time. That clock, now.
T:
11:32
